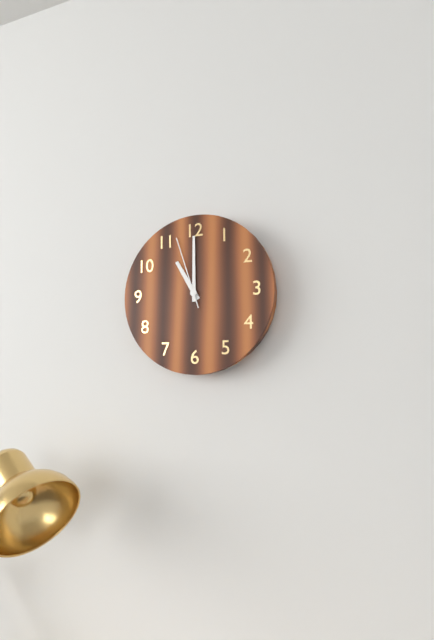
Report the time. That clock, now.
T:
11:00:57
